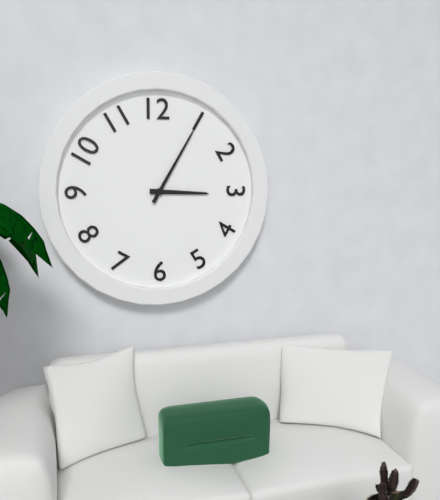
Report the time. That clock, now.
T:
3:05
